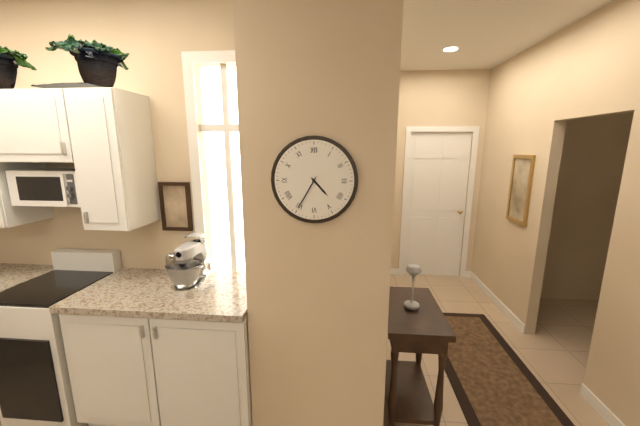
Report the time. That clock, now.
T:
4:35
